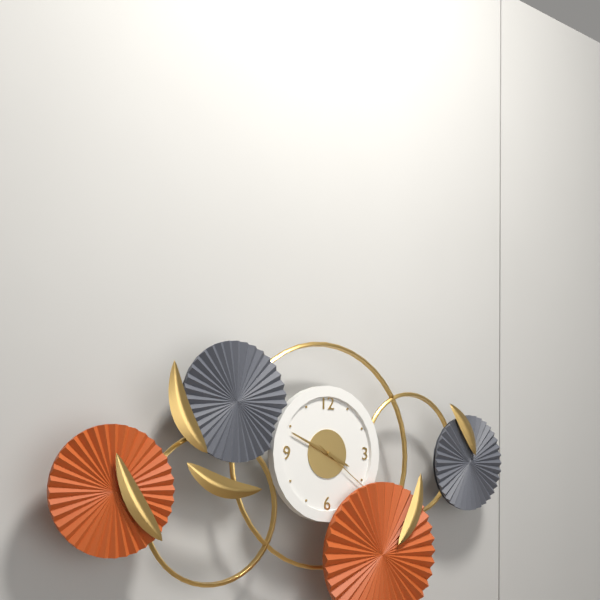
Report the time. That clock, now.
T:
3:49:21
